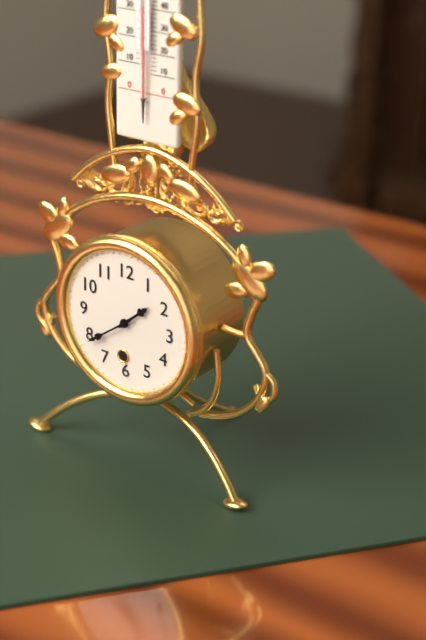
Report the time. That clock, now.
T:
1:39
